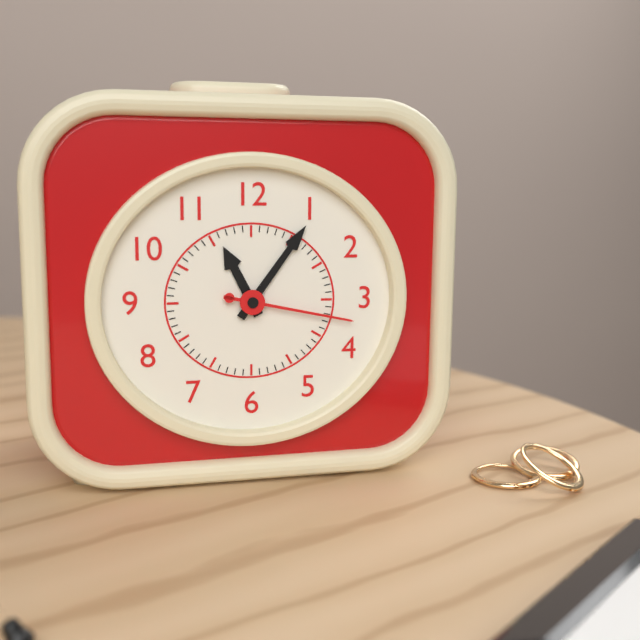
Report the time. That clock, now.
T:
11:06:17
